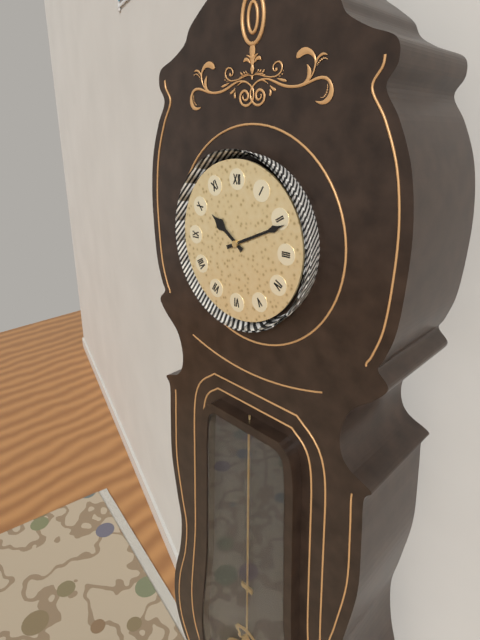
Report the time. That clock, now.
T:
10:11
